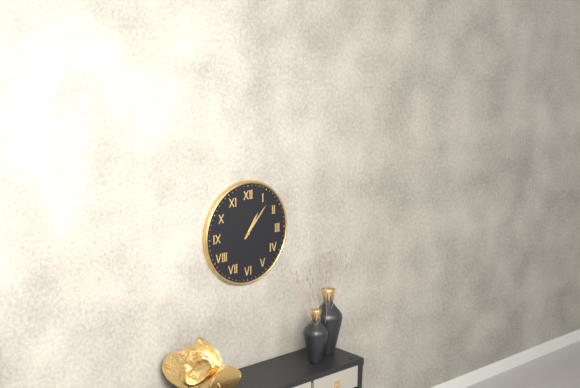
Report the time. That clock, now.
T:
1:07
